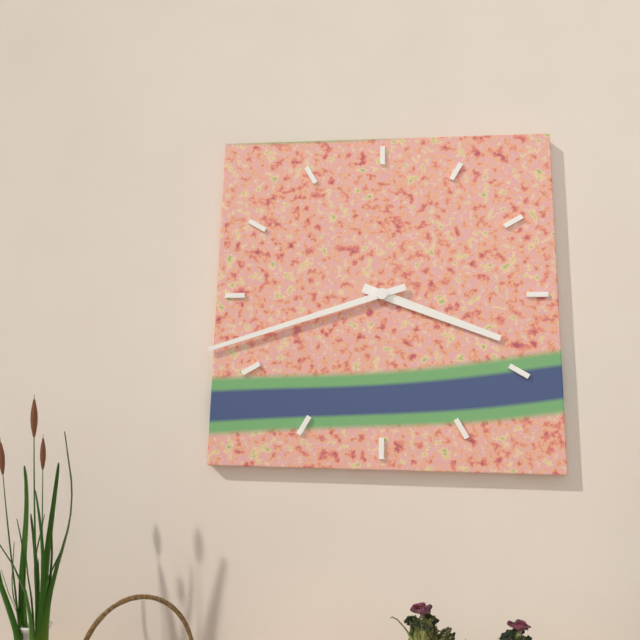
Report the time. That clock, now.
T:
3:42
